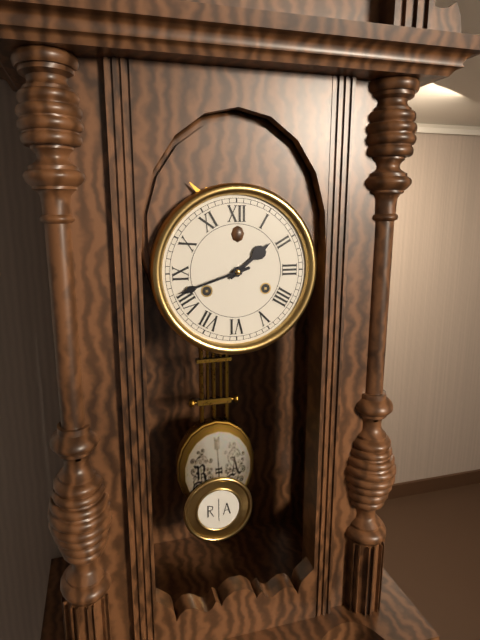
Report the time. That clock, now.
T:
1:42
